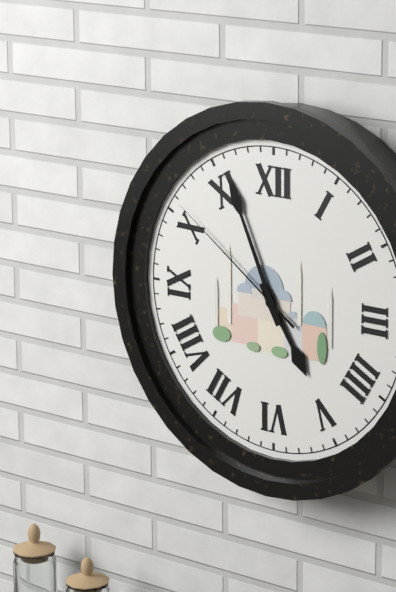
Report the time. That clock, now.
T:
4:56:51
